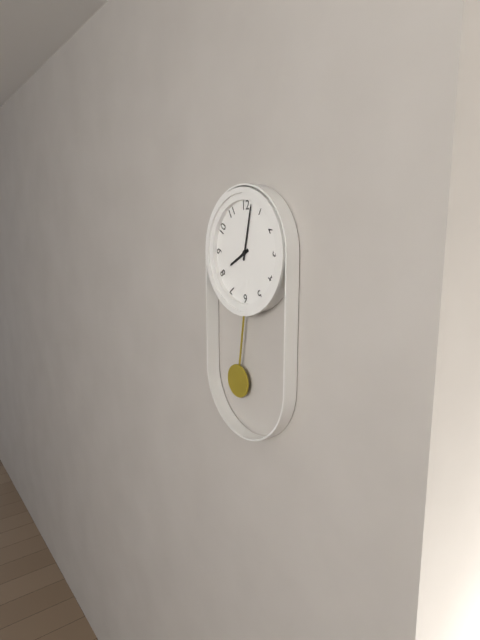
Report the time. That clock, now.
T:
8:02
